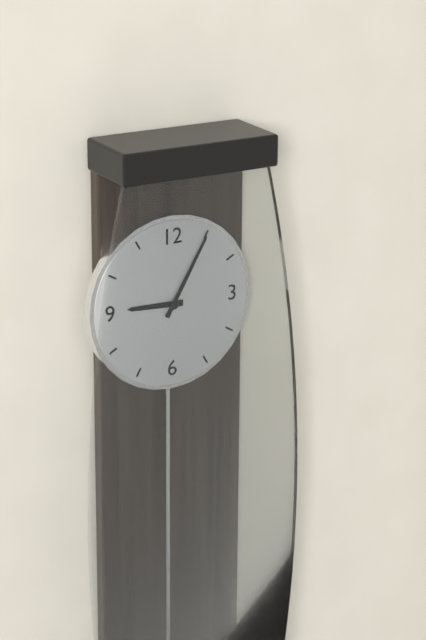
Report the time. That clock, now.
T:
9:05
